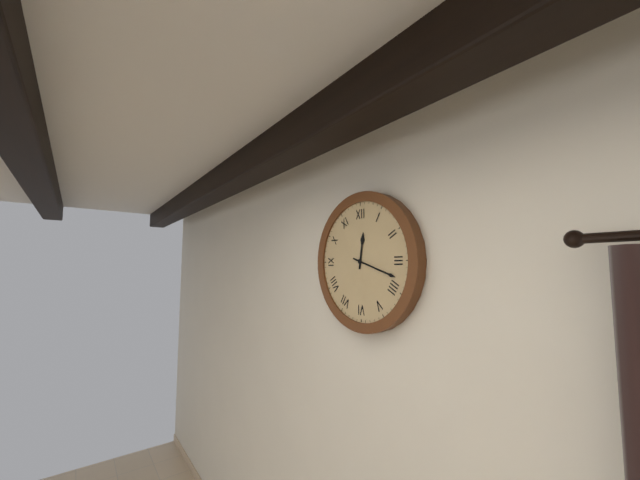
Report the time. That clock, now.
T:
12:18
